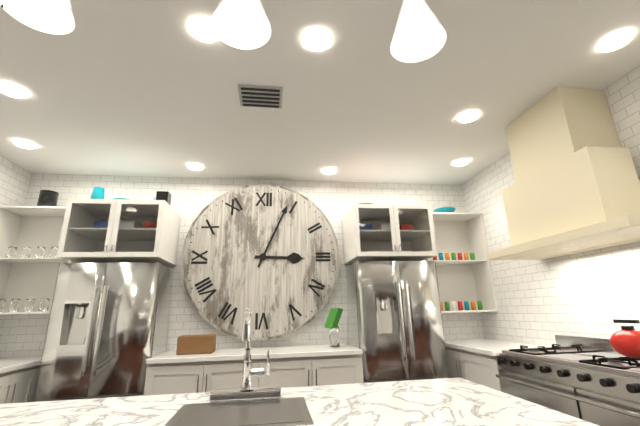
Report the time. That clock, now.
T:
3:04
